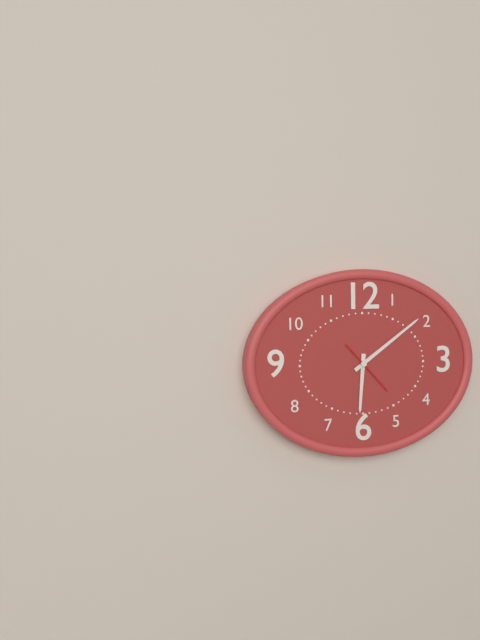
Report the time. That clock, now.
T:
6:09
